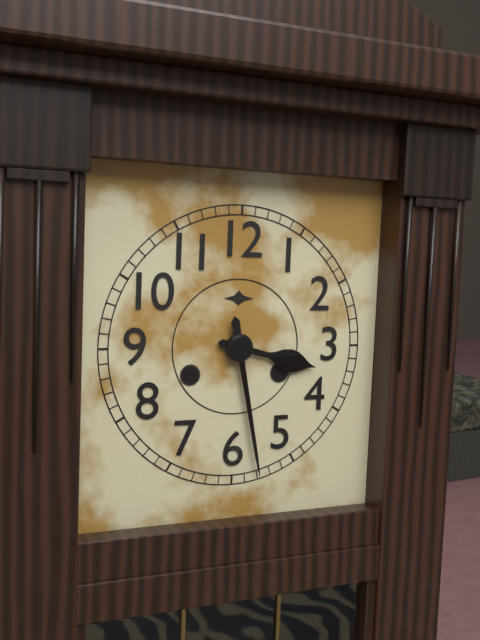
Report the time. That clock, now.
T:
3:28
